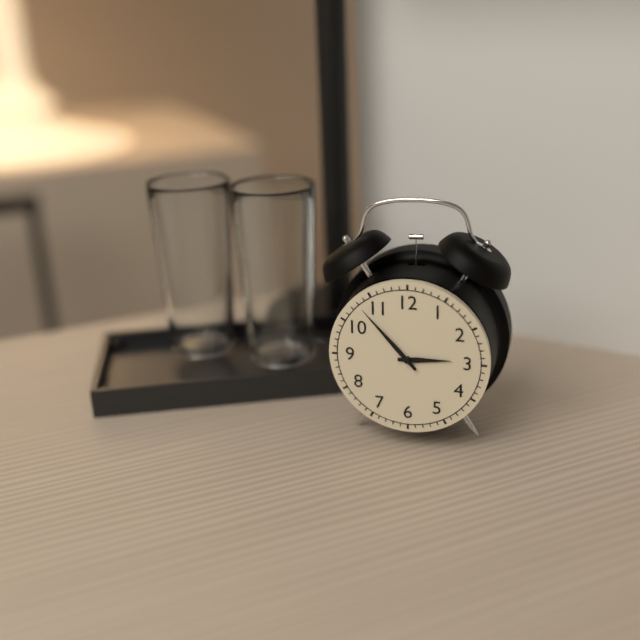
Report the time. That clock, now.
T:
2:53
